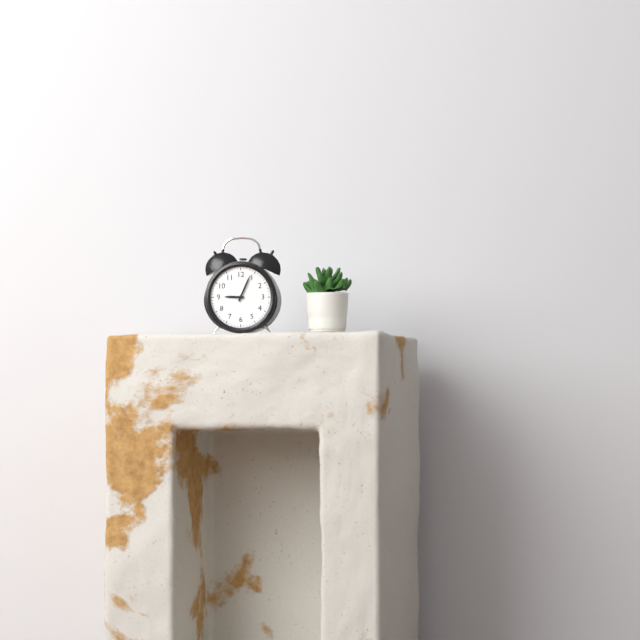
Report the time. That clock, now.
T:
9:04
